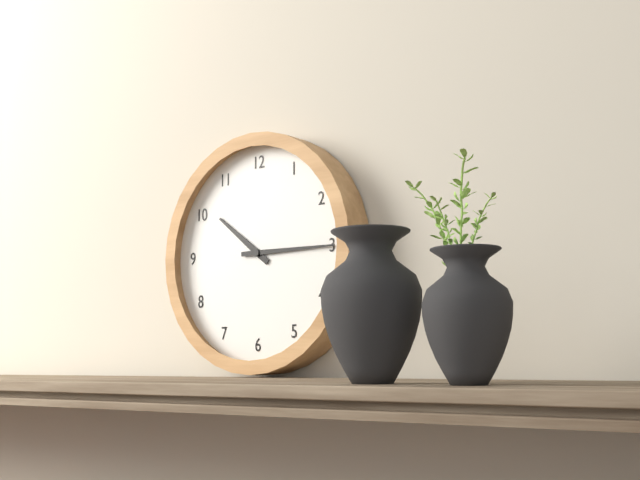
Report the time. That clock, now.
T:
10:15
